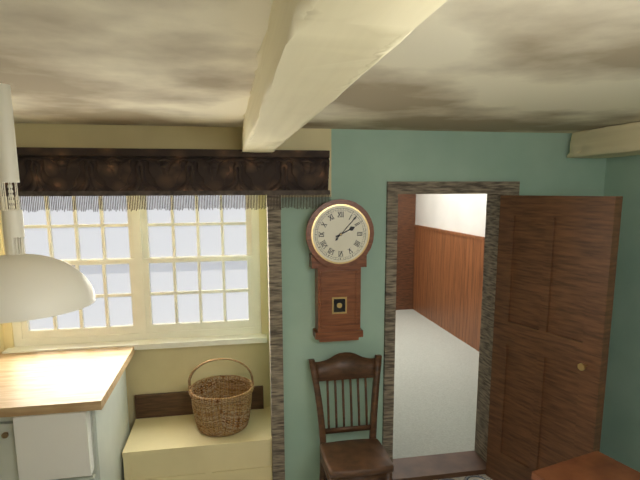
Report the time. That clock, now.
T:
2:07
